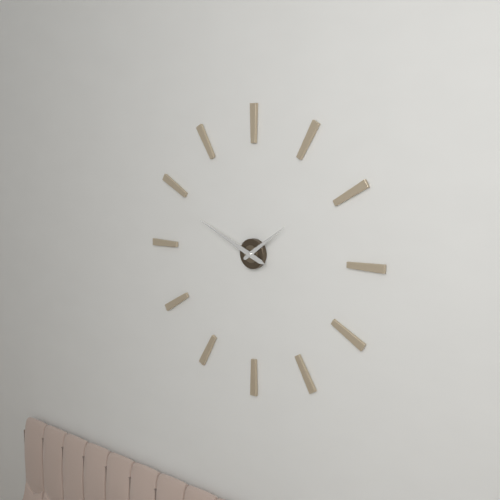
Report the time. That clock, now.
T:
1:49
